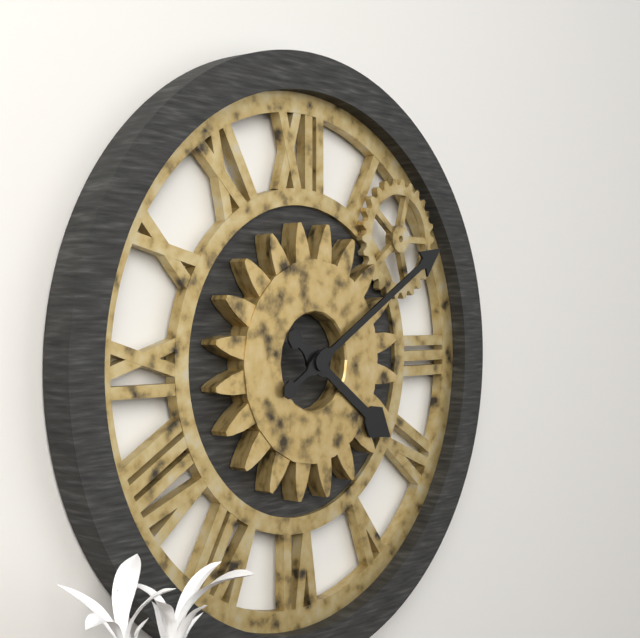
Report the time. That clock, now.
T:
4:10
